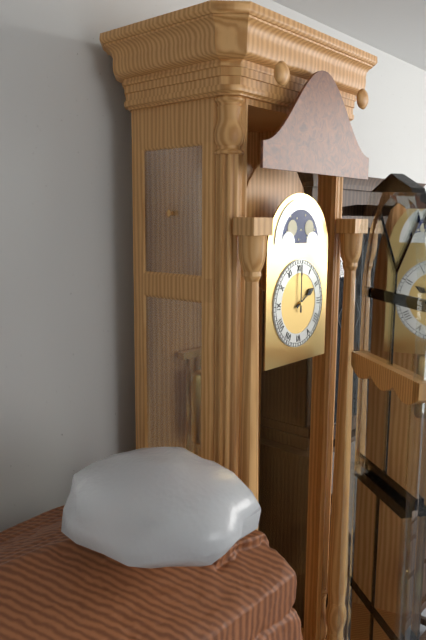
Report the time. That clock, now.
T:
2:00
